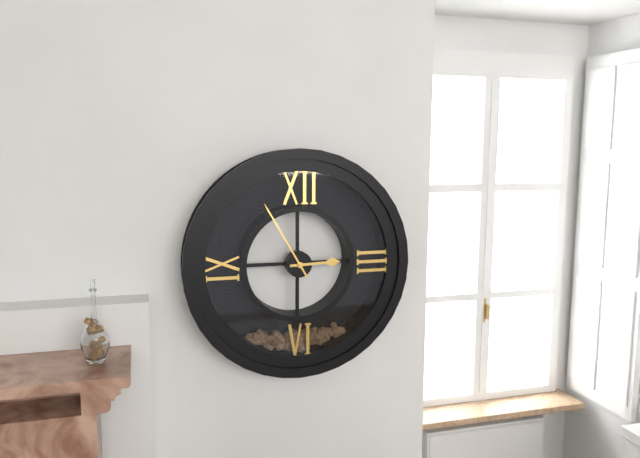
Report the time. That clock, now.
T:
2:55
